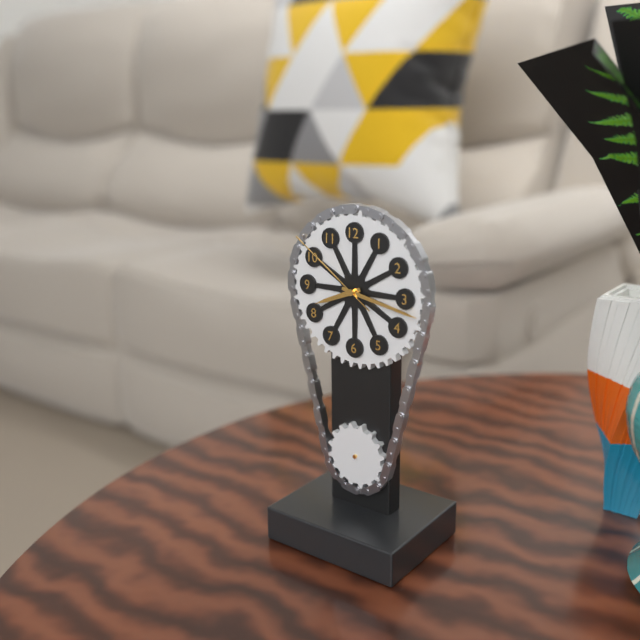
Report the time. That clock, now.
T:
8:17:51
